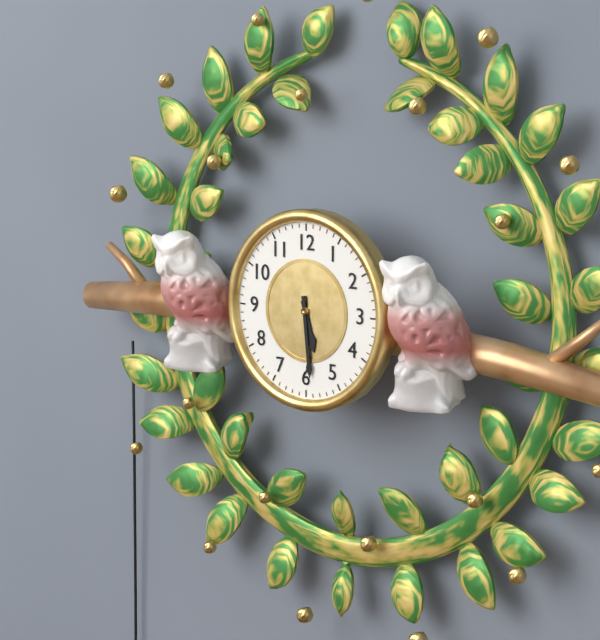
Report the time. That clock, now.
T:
5:29
